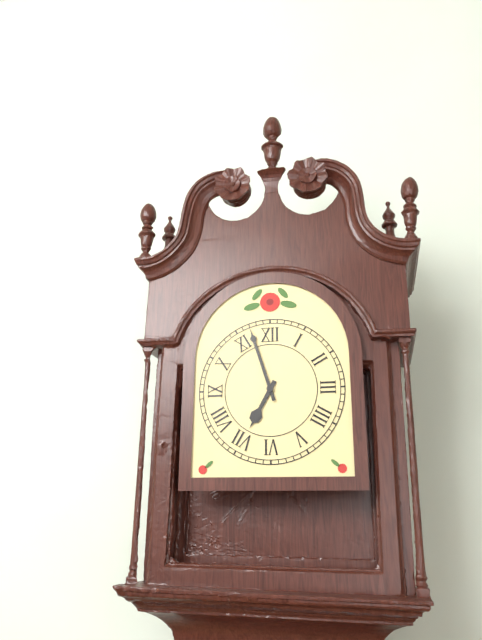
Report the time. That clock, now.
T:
6:57
